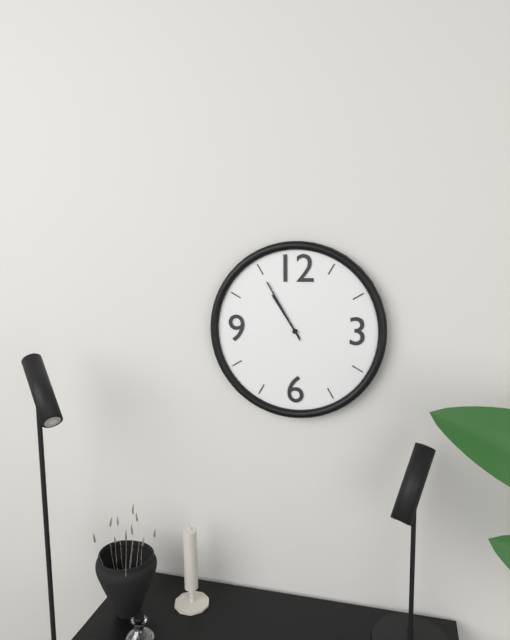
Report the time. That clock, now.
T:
10:55
